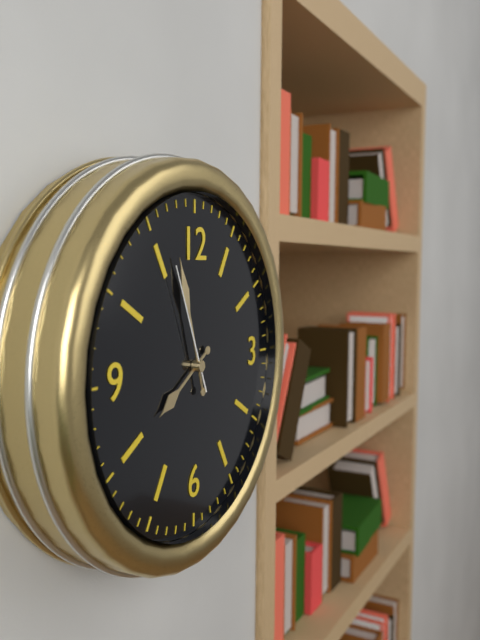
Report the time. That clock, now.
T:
7:57:56
